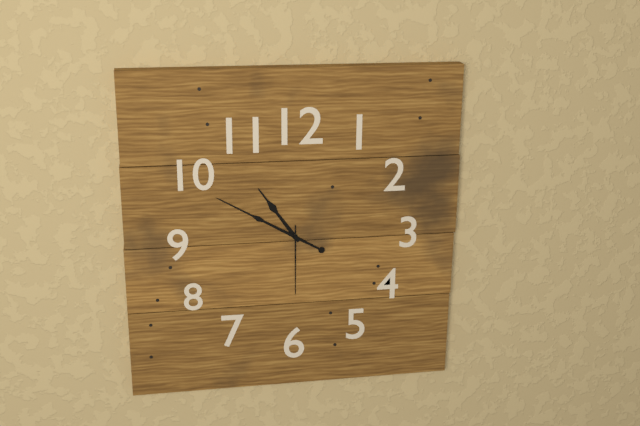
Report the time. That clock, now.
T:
10:50:30
